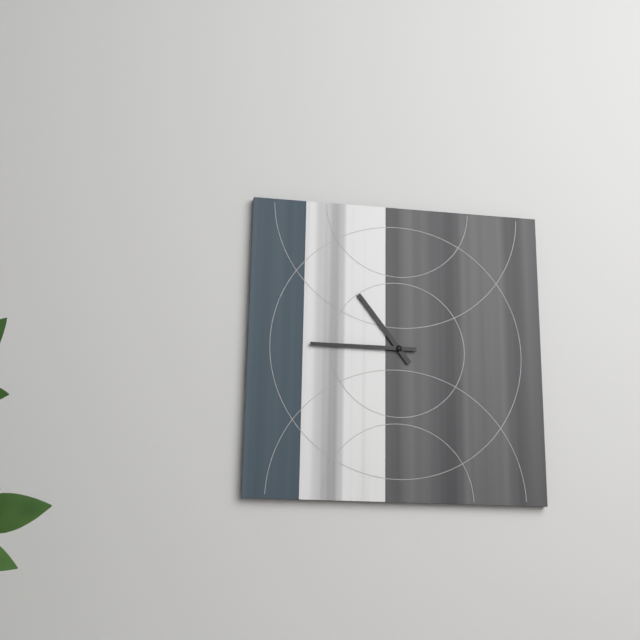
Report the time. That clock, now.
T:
10:45
